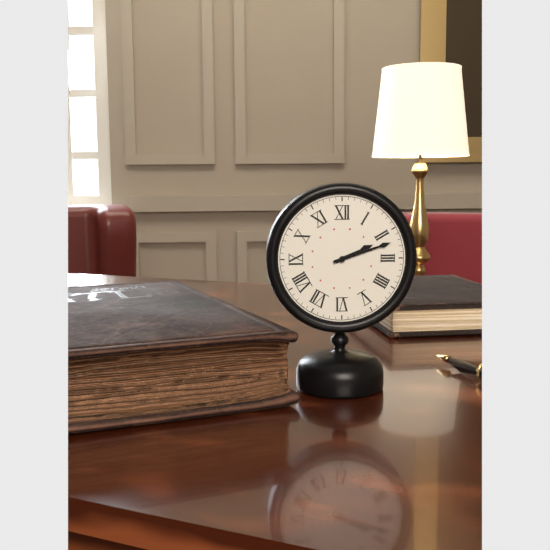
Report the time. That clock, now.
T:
2:12
